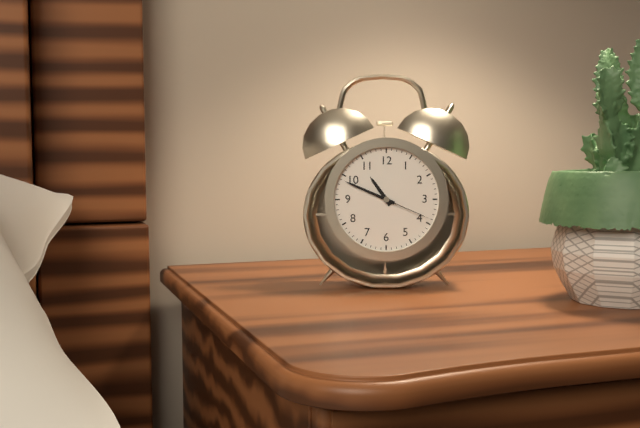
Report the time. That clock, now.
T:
10:49:19
